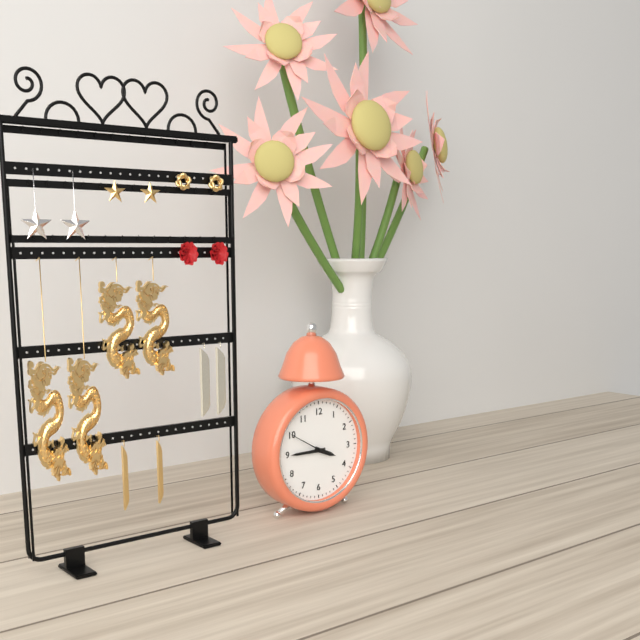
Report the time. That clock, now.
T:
3:45
